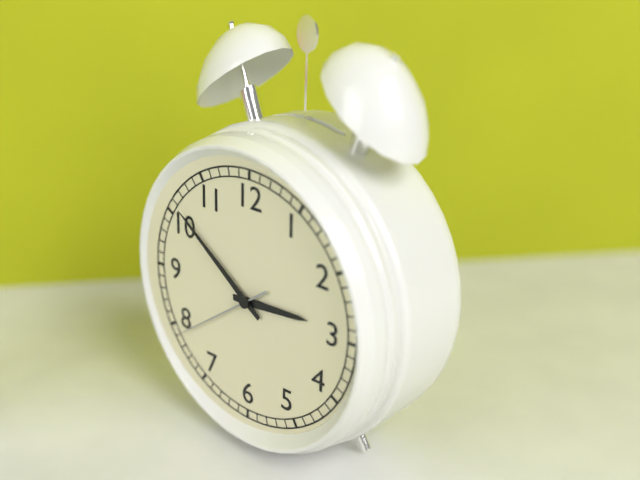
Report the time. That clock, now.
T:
2:51:39
